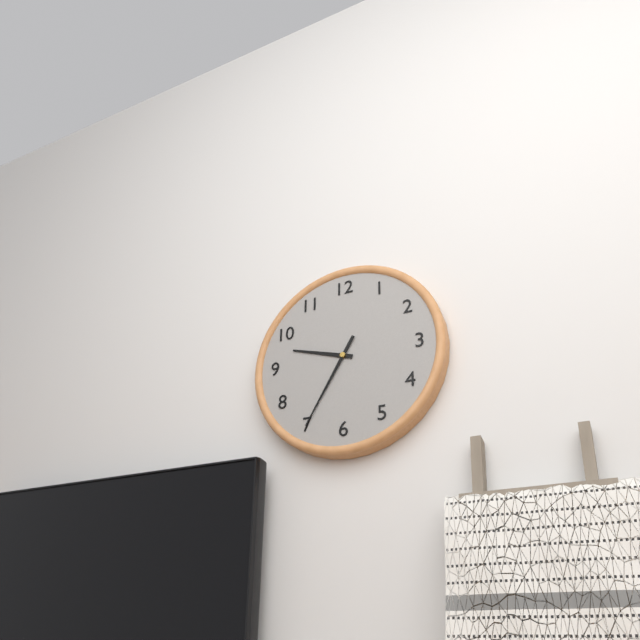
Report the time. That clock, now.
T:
9:35
